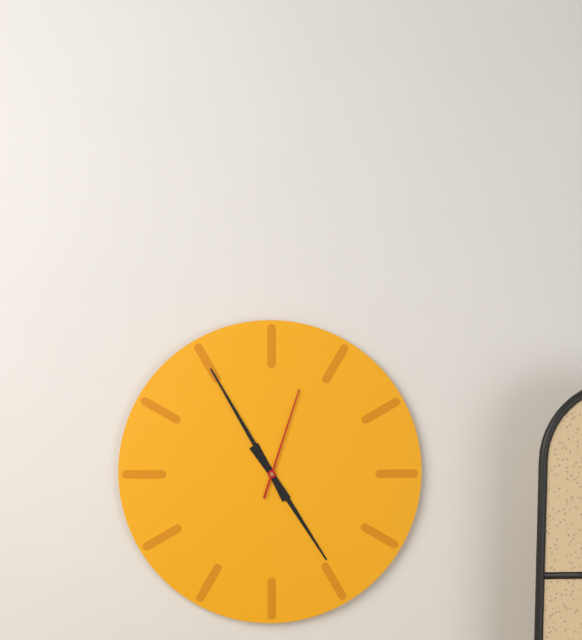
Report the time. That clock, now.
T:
4:55:03
